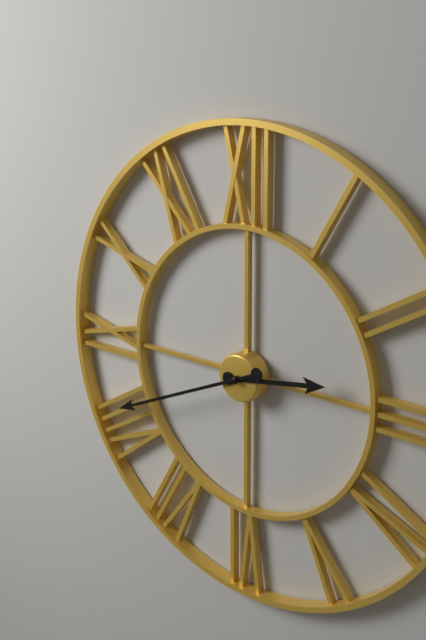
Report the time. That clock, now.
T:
2:41
